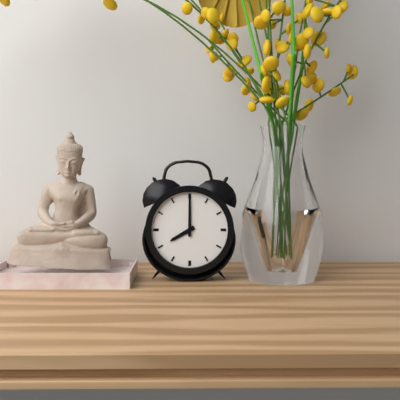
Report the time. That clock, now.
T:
8:00
